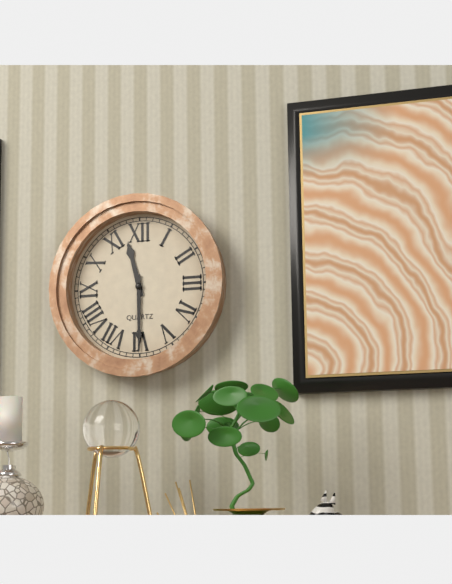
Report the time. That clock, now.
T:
11:30
